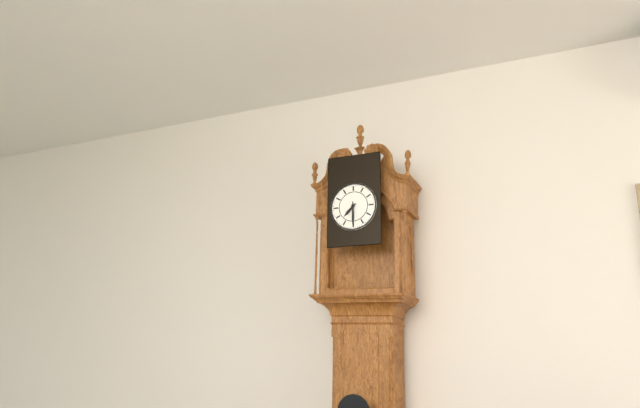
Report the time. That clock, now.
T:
7:30
